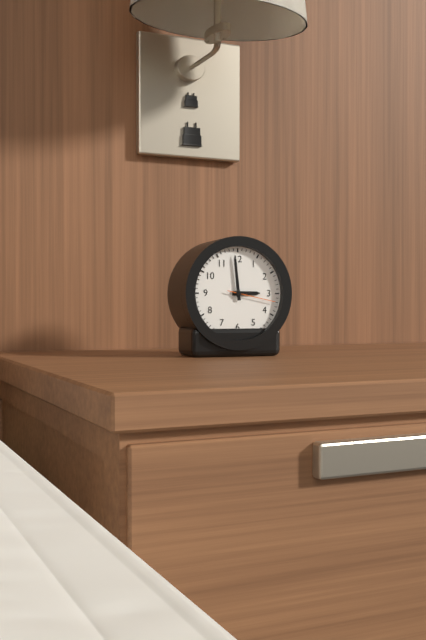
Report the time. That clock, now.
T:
2:59:17
